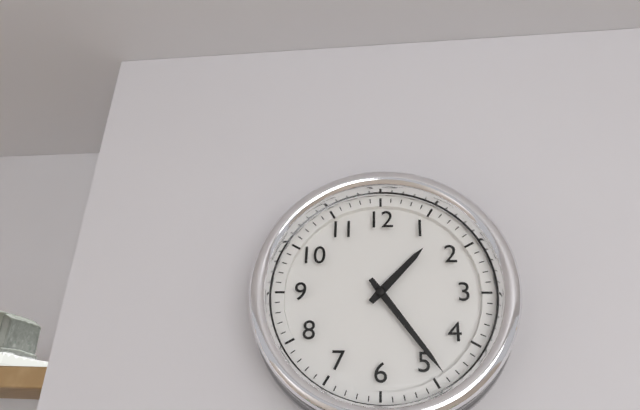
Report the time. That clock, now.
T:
1:24
